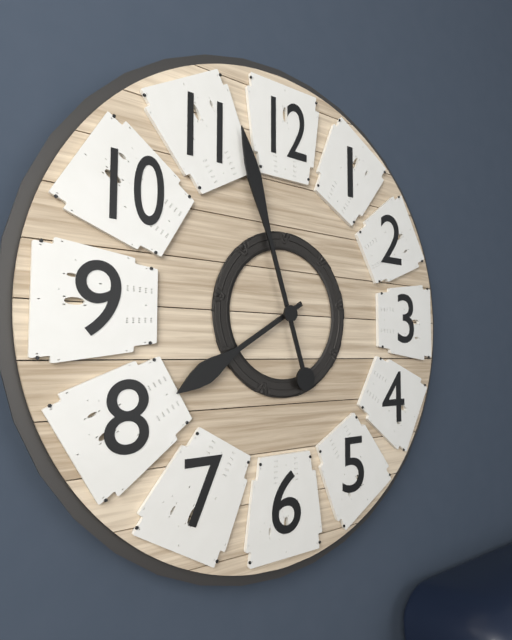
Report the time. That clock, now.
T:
7:57
